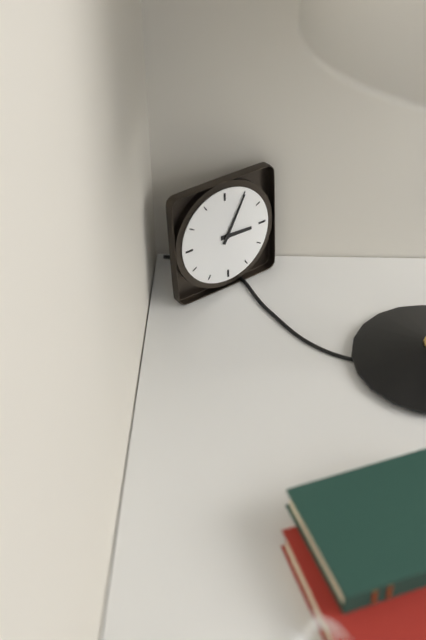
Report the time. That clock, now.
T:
3:05
